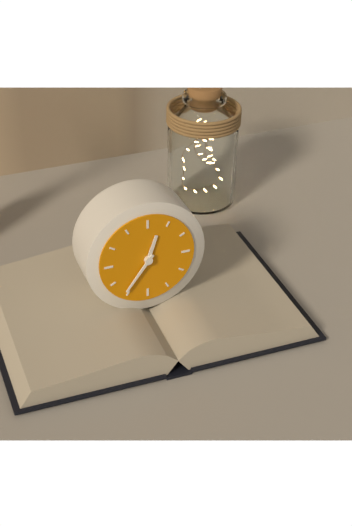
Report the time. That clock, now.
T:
12:36
